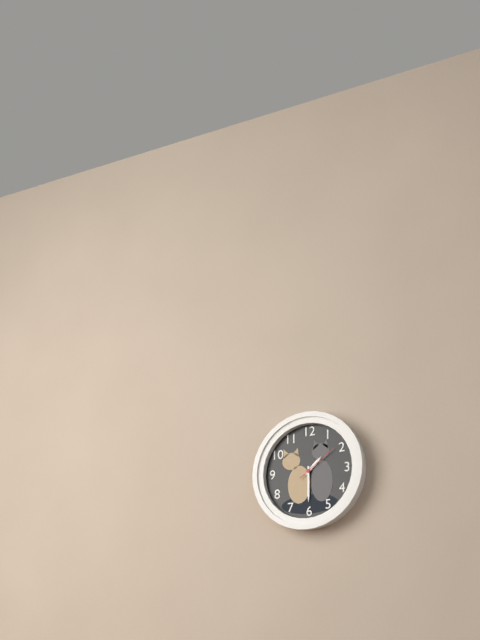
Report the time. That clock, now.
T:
1:30
